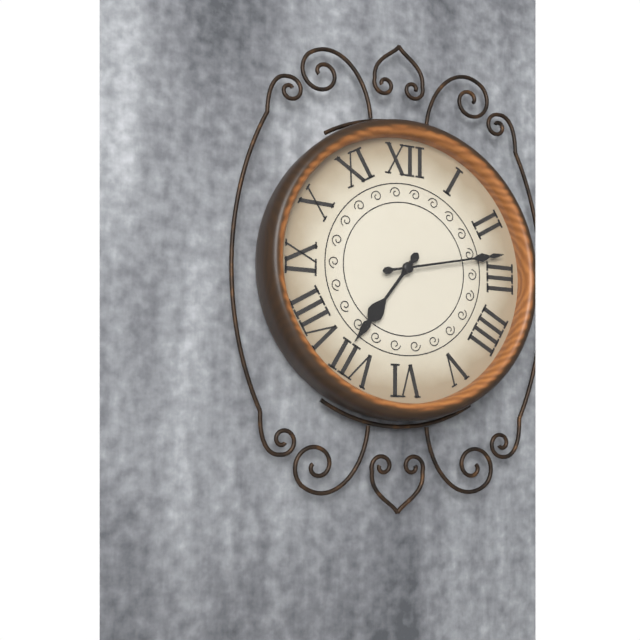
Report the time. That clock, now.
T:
7:13
